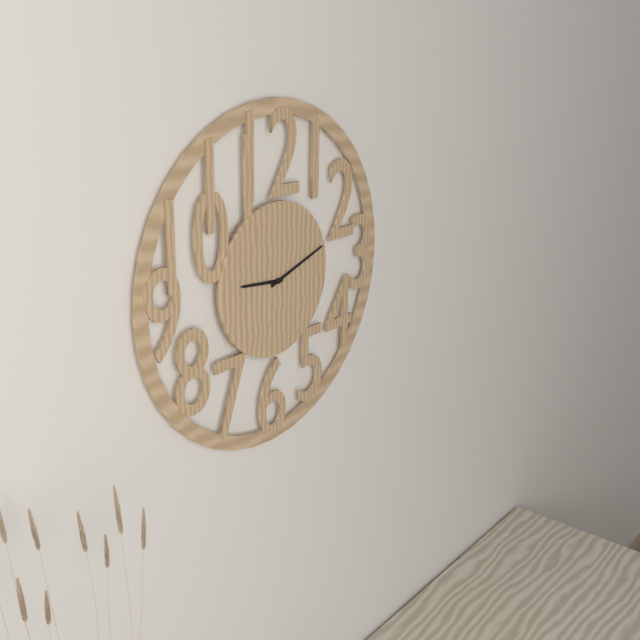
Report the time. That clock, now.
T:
9:12
